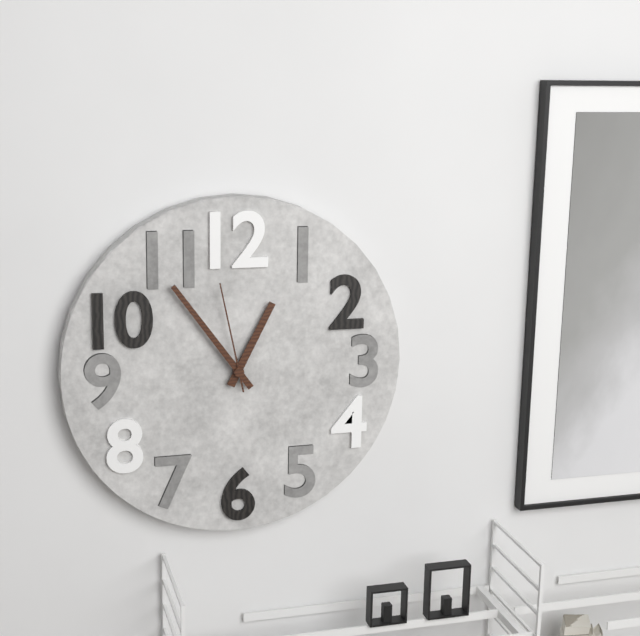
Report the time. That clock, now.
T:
12:54:58
